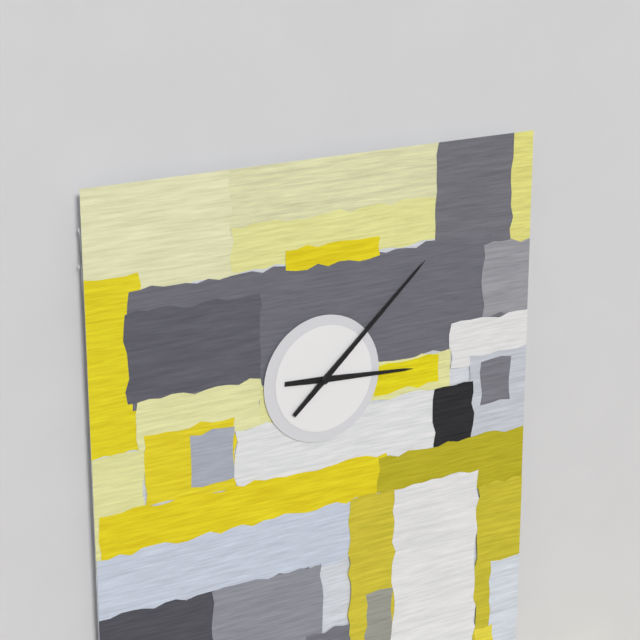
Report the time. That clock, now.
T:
3:08
